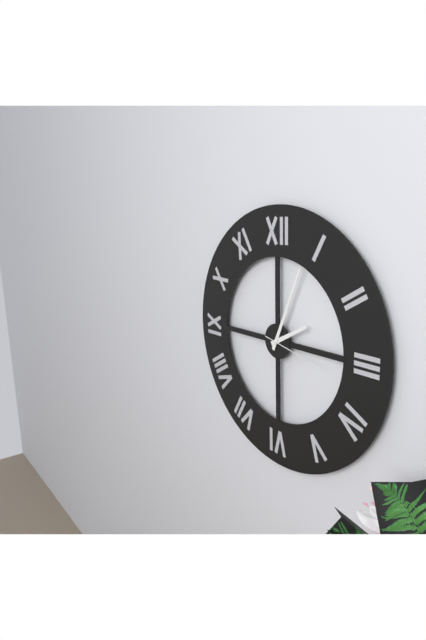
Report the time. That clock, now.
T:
2:04:17
